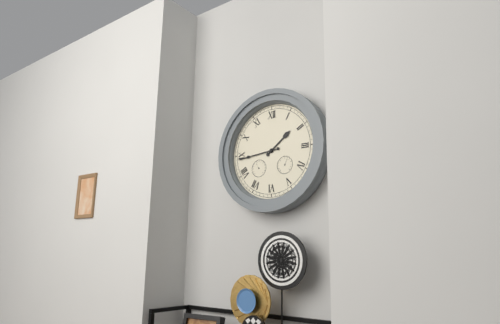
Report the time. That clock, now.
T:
1:44
